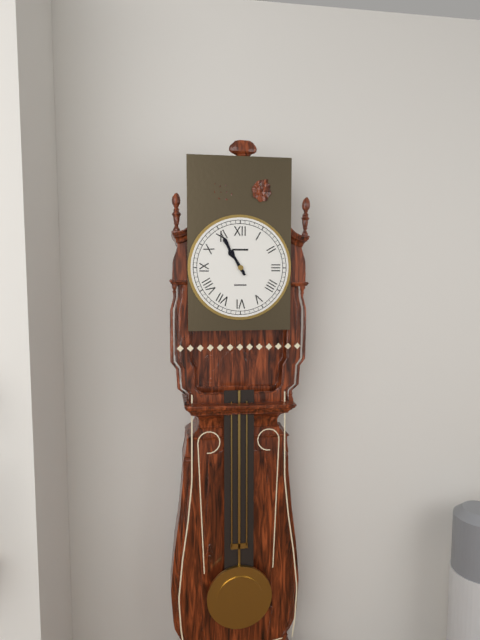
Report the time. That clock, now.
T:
10:55
